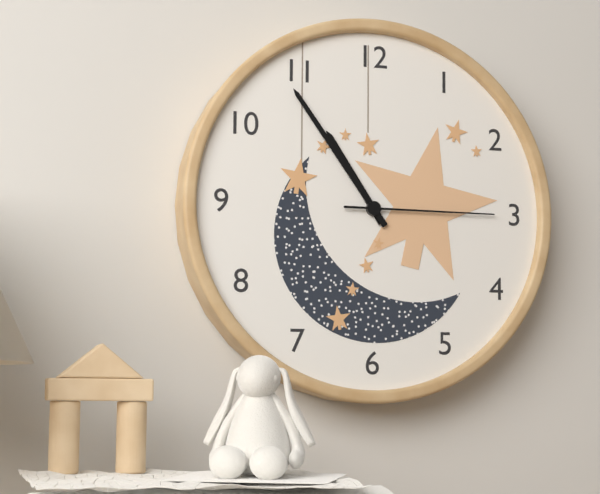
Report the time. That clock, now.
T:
10:54:15
